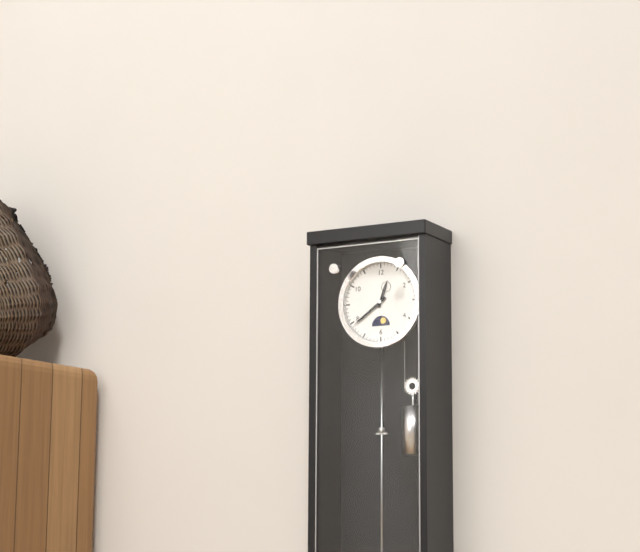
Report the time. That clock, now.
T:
12:39
